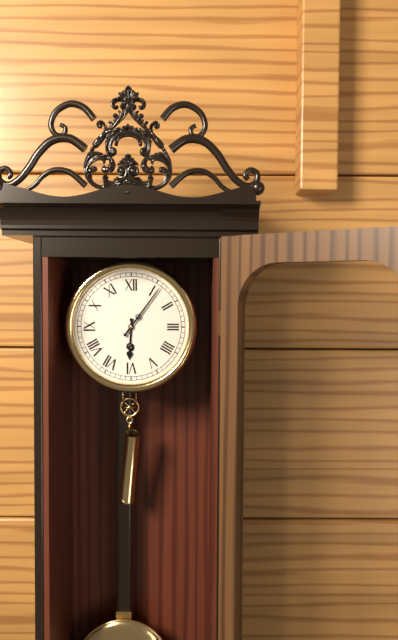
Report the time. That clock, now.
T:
6:06
